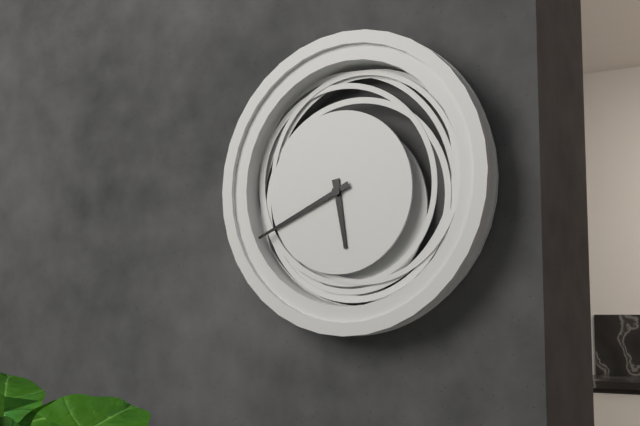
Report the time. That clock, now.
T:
5:41
